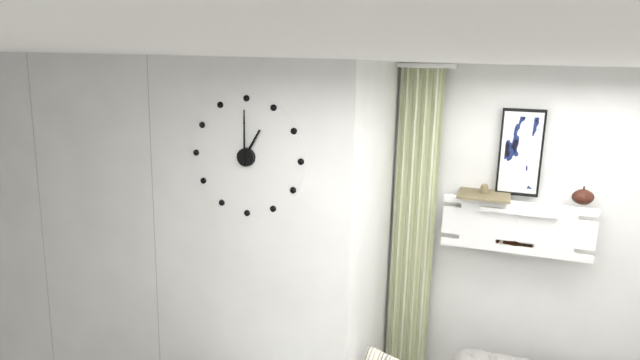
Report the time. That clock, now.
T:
1:00
